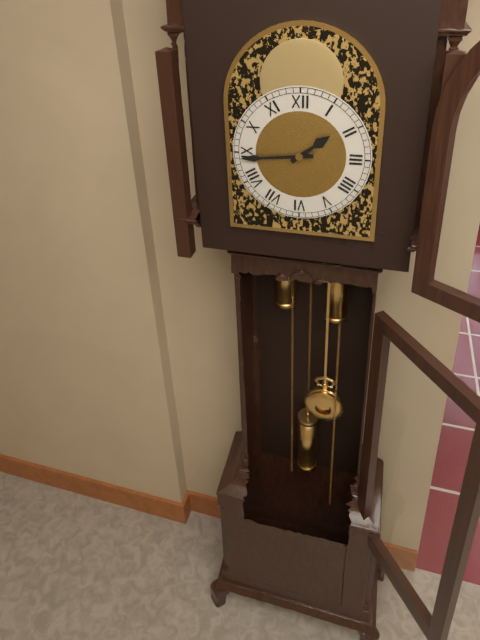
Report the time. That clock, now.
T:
1:44
